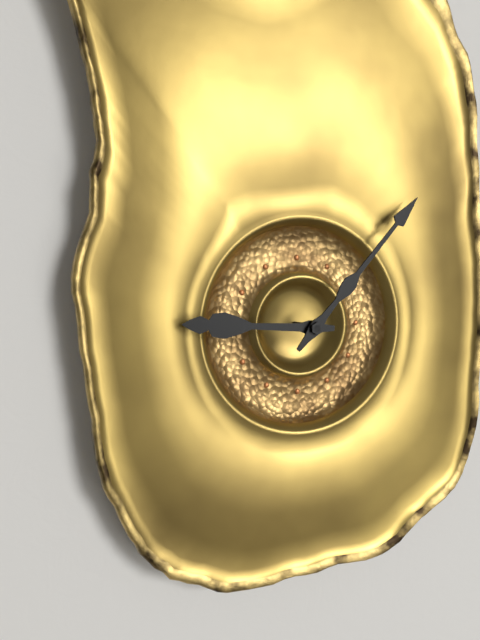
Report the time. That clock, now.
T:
9:07
